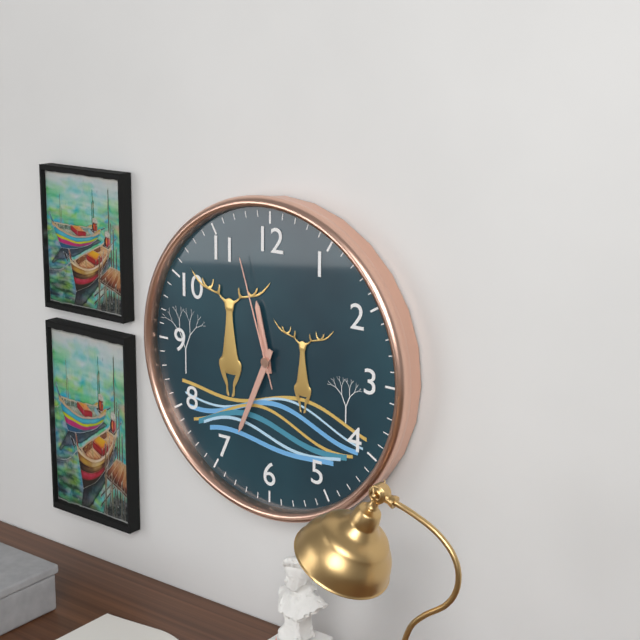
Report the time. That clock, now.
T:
11:34:57
